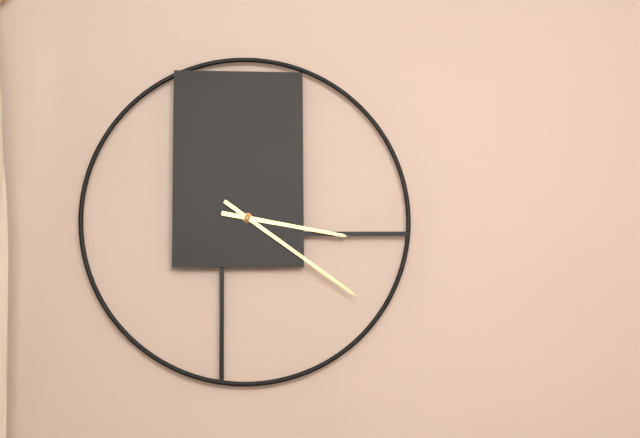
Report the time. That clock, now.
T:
3:21
